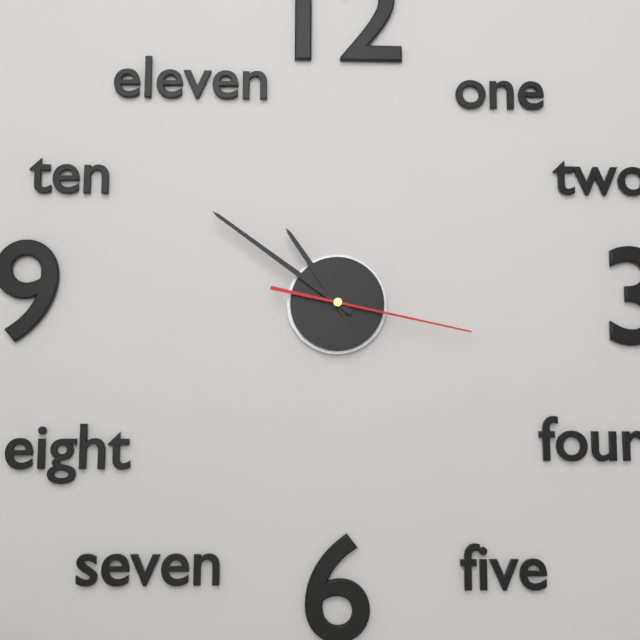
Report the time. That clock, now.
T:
10:51:17
